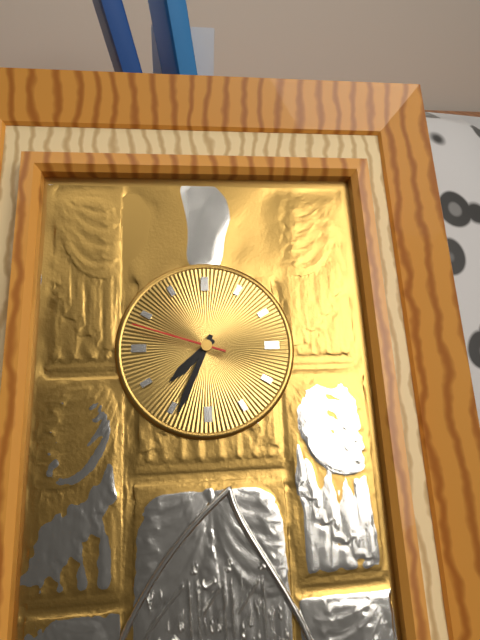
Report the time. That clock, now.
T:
7:34:48
